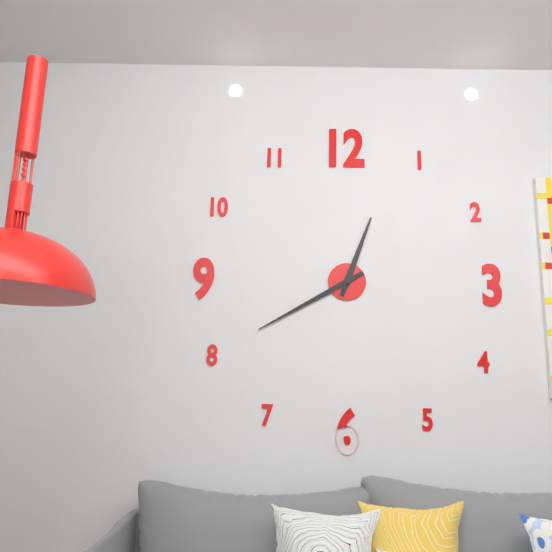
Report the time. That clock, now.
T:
12:40
